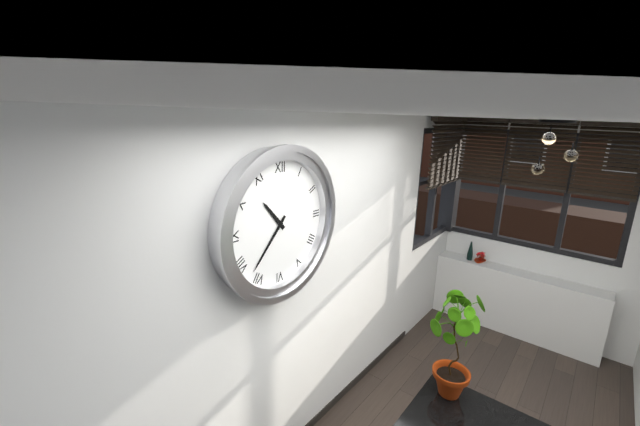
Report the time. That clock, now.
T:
10:37
